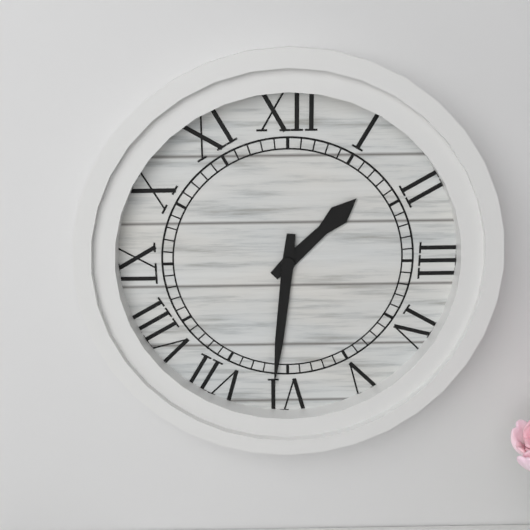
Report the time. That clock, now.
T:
1:31
